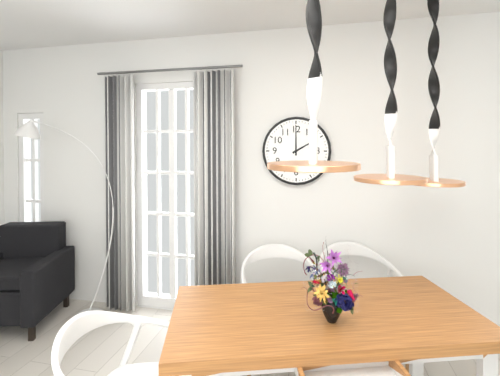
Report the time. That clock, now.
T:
2:00
